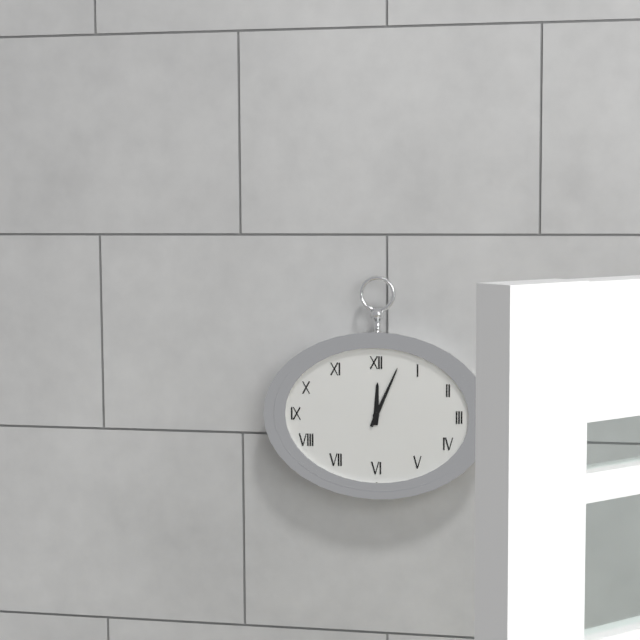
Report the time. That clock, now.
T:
12:04
